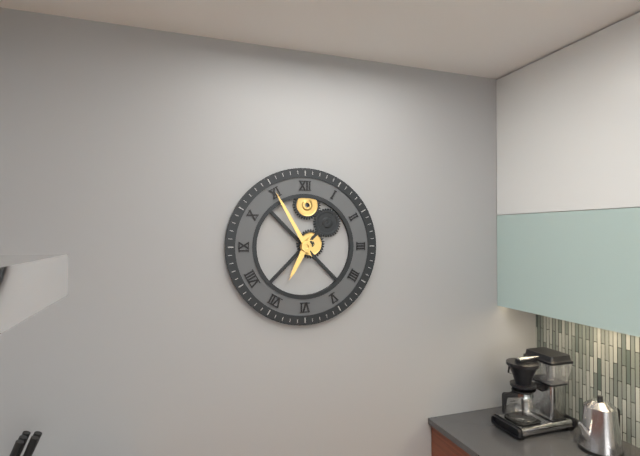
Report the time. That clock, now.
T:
6:55
